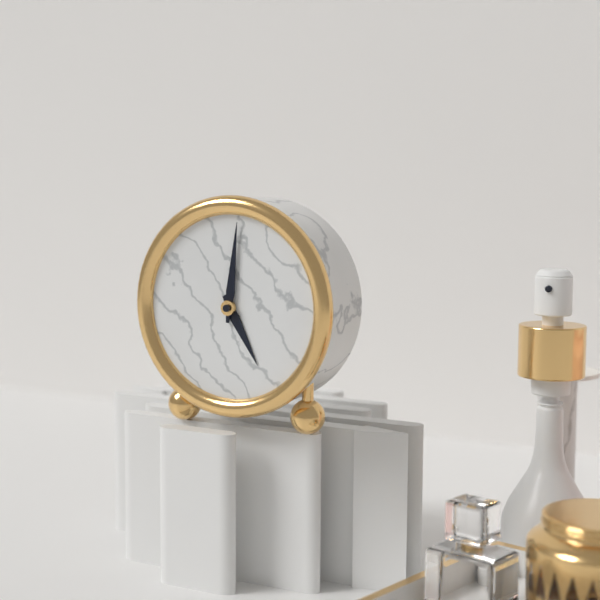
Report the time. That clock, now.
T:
5:01
